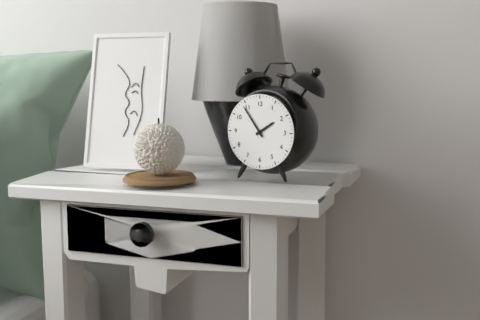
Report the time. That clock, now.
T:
1:54
